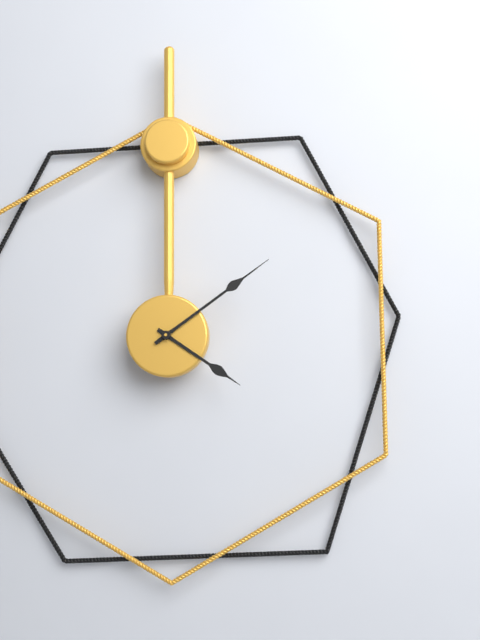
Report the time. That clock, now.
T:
4:09
